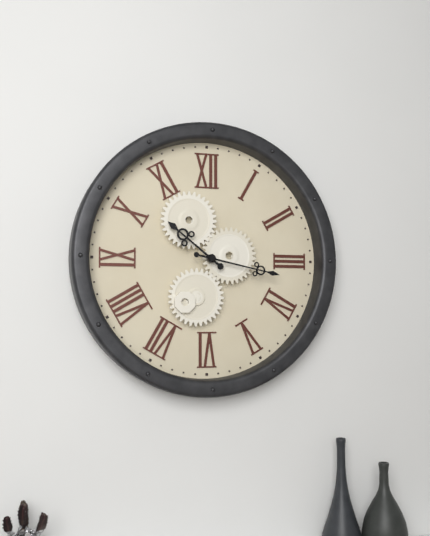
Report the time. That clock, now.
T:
10:17
